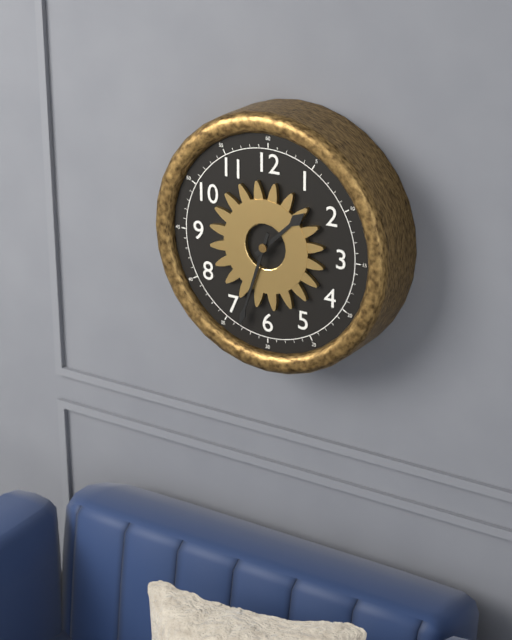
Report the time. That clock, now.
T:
1:33
